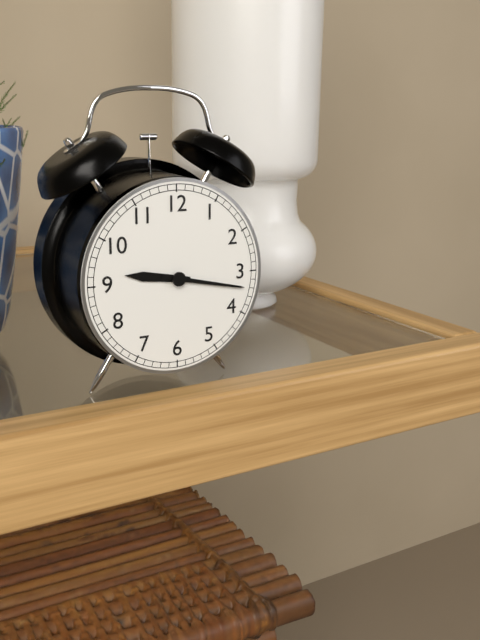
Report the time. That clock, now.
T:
9:17
